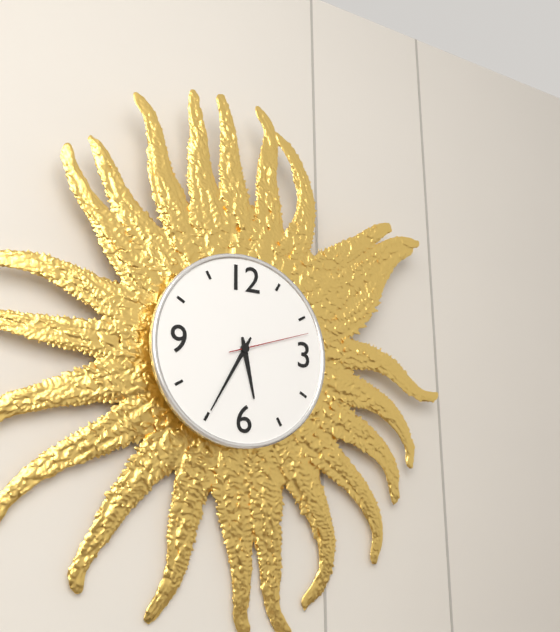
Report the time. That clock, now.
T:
5:35:12
